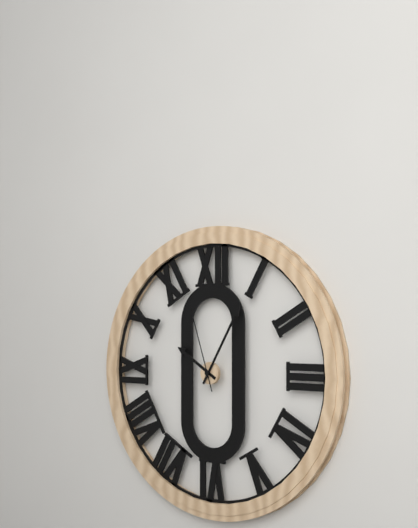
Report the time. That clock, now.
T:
10:05:57
